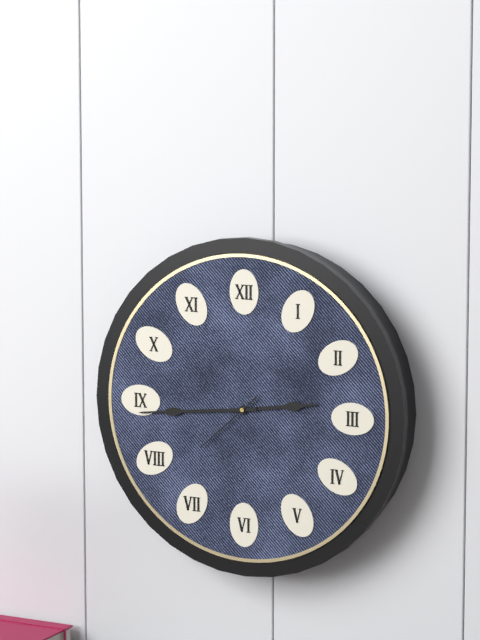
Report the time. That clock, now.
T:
2:44:38
